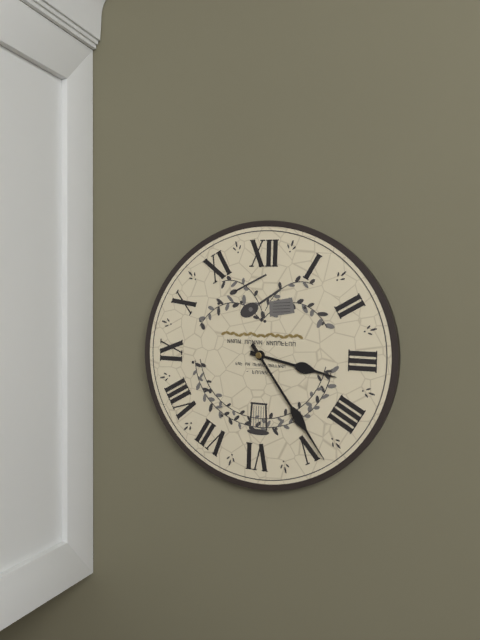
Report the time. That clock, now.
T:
3:24
